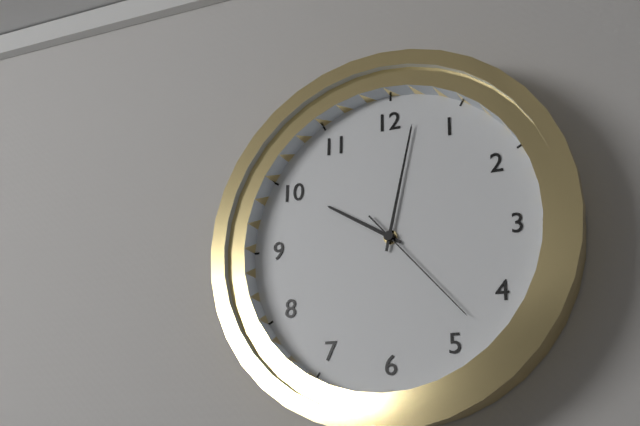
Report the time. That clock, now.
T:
10:02:23
